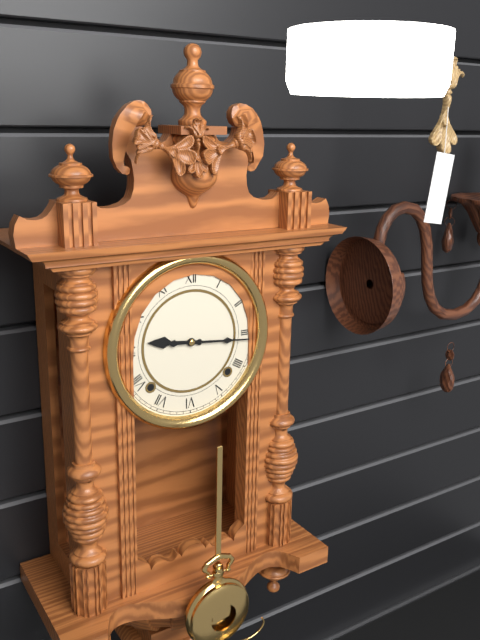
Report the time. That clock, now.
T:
9:16
